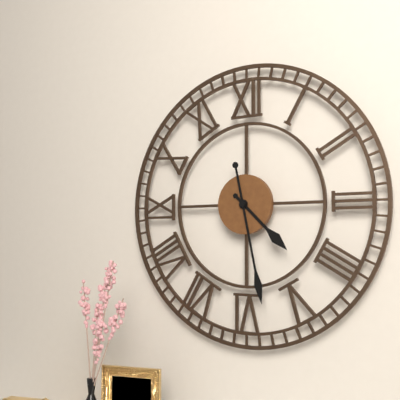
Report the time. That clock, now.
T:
4:28
